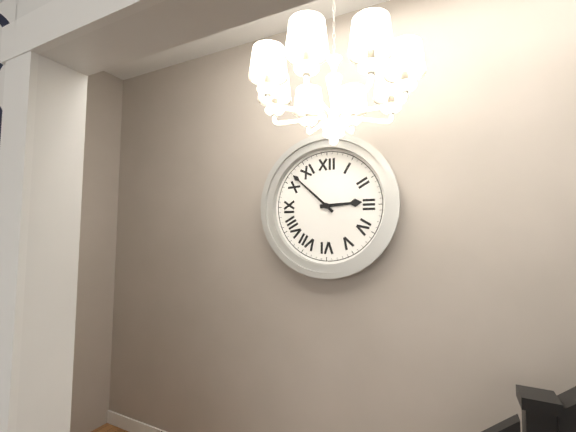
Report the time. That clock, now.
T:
2:52
